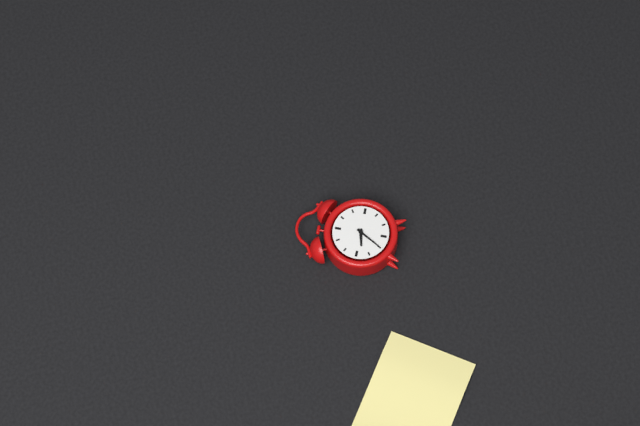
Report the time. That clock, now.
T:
8:35
